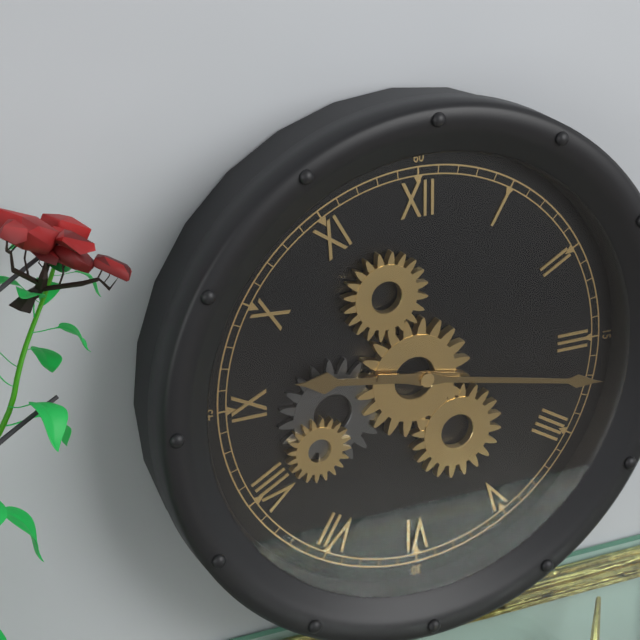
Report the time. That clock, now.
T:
9:17
